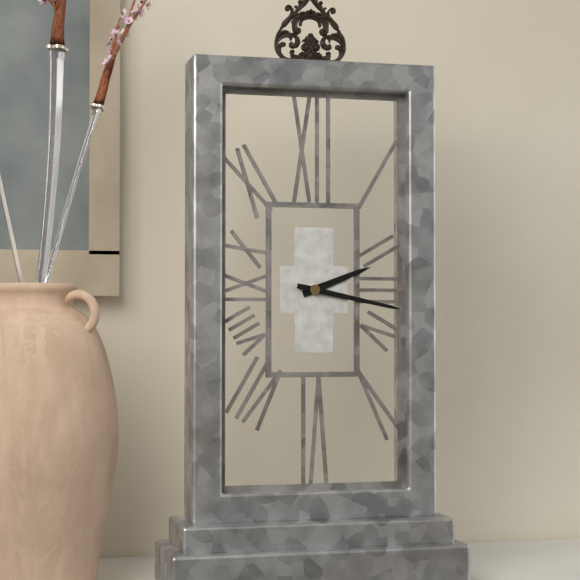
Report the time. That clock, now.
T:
2:17
